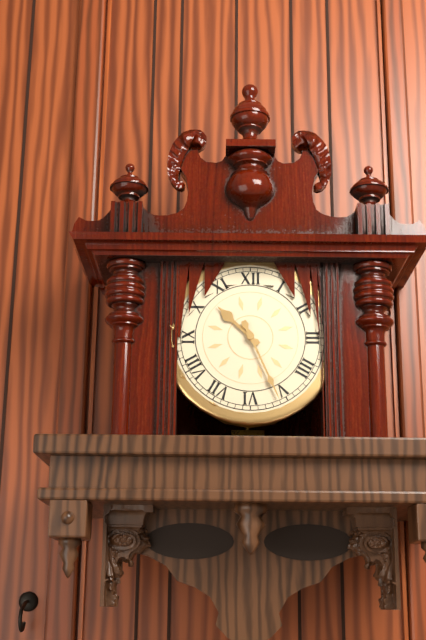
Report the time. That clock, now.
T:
10:26
